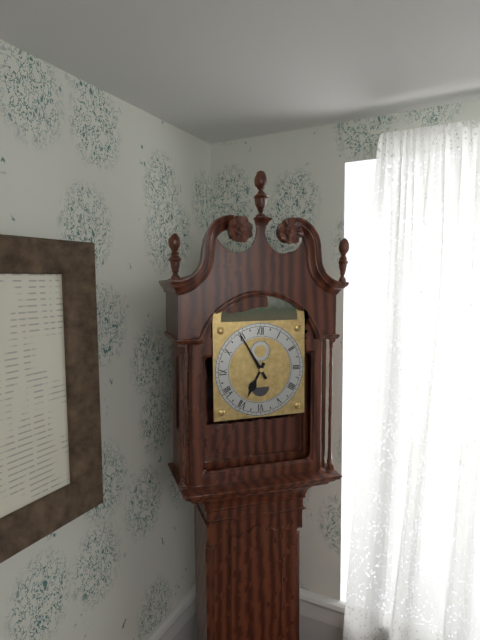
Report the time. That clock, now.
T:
6:55
